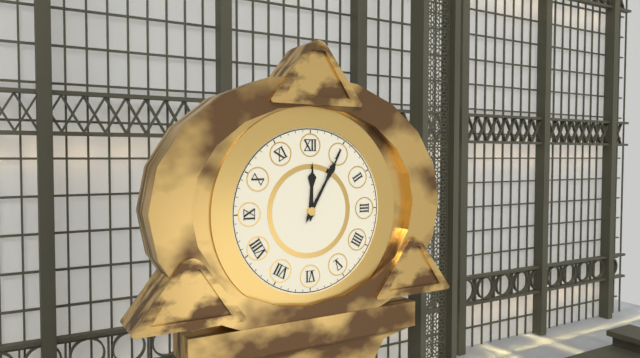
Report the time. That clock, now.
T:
12:05
